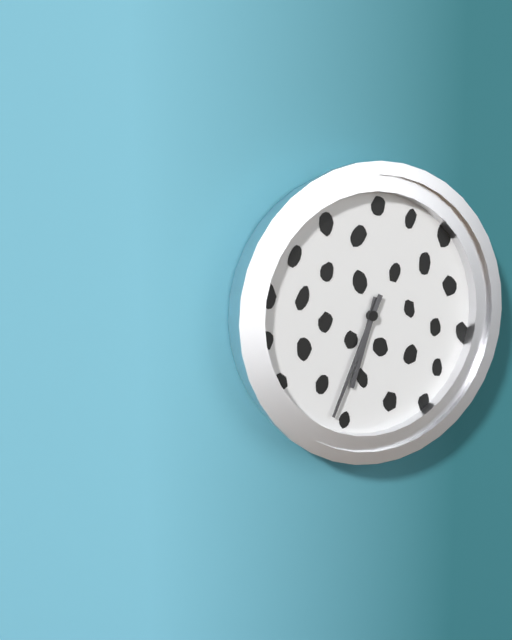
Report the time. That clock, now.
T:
6:34
